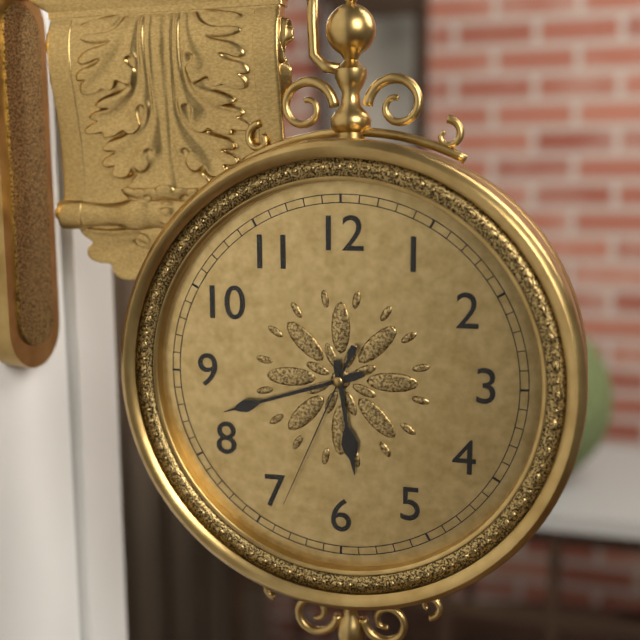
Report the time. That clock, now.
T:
5:42:34
